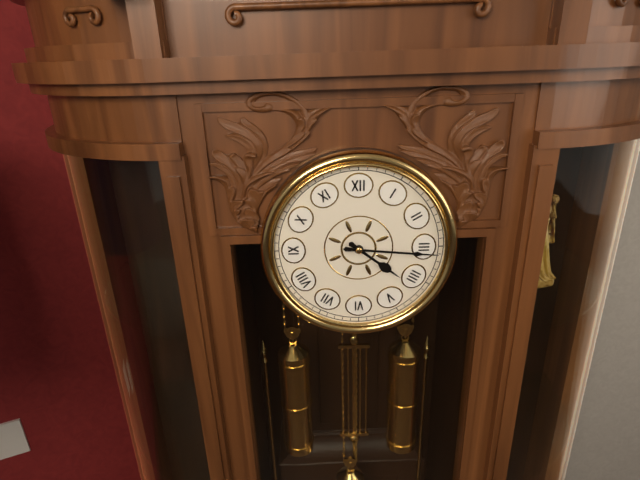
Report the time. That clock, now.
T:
4:16
